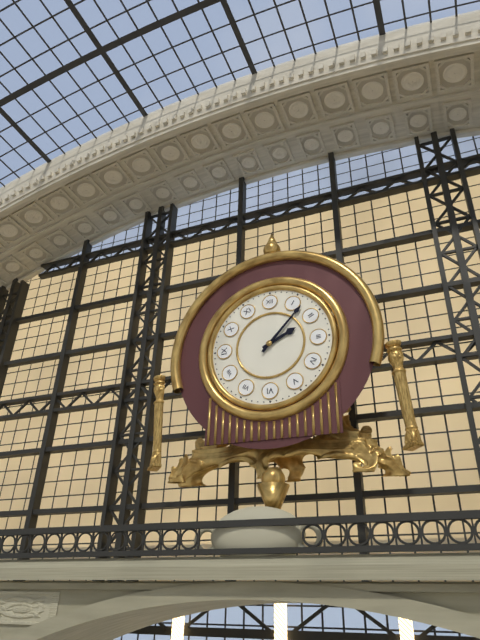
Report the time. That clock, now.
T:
2:07
